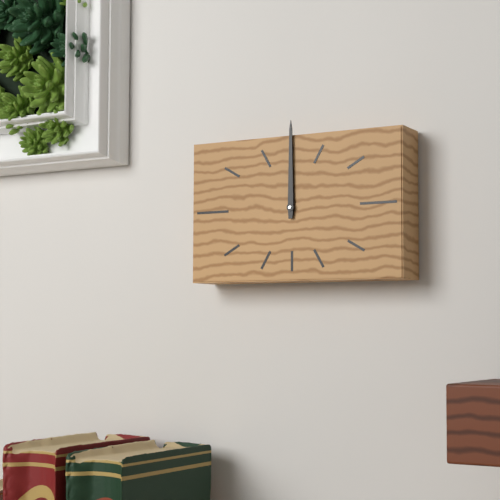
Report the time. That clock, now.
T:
12:00
